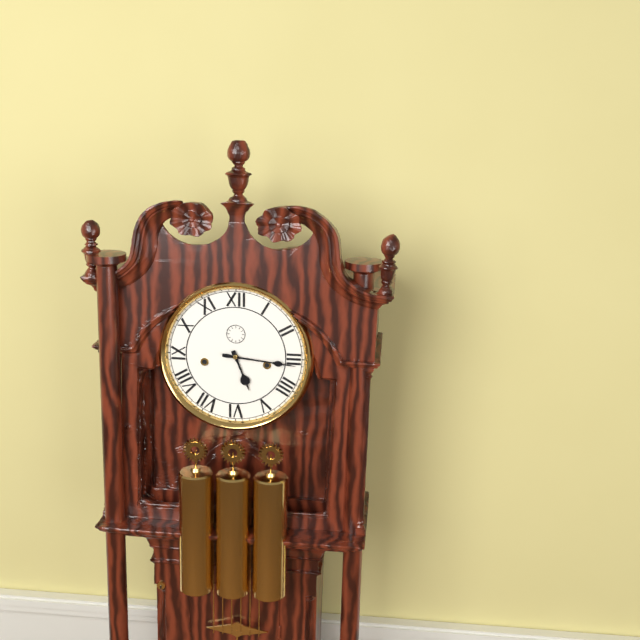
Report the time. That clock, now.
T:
5:16
